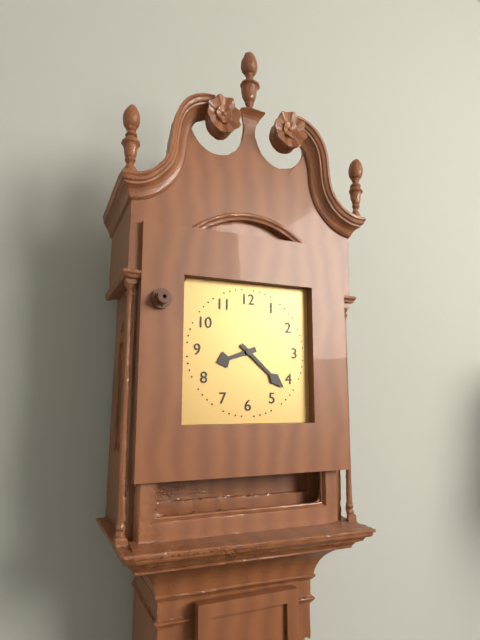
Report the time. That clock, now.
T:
8:22
